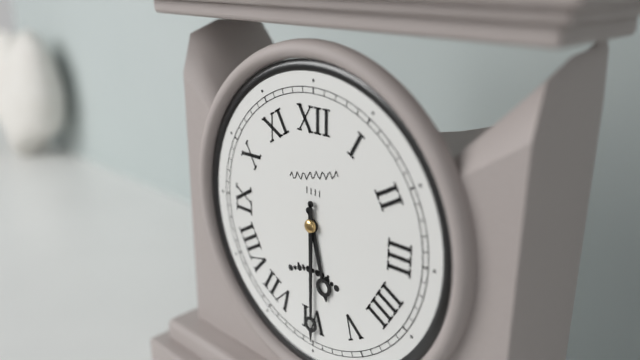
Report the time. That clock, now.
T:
5:30
